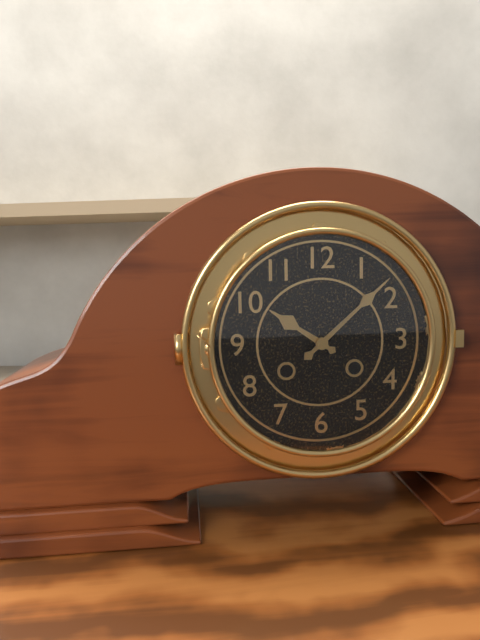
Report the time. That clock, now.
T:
10:08
